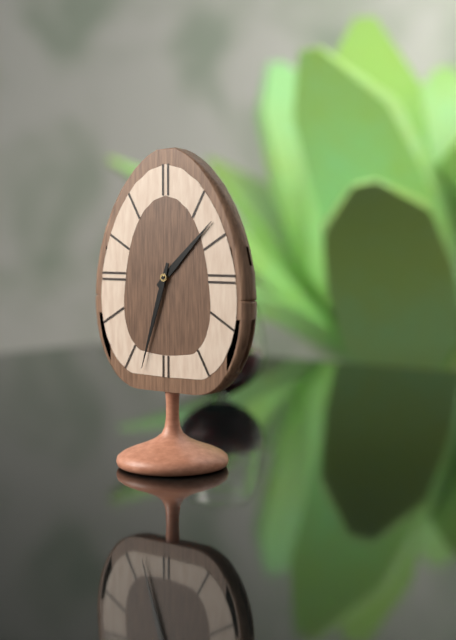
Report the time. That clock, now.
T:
1:33
